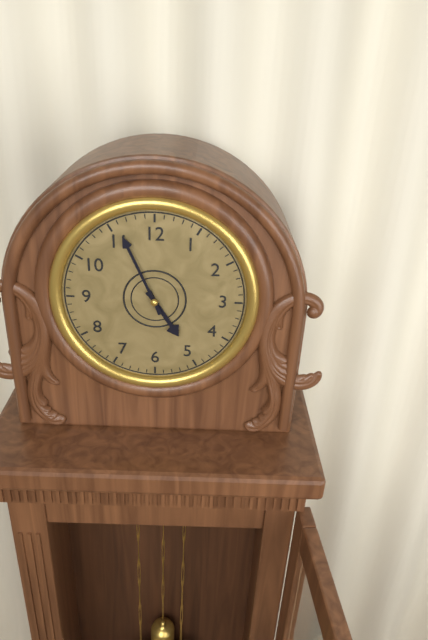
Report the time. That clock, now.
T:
4:56
